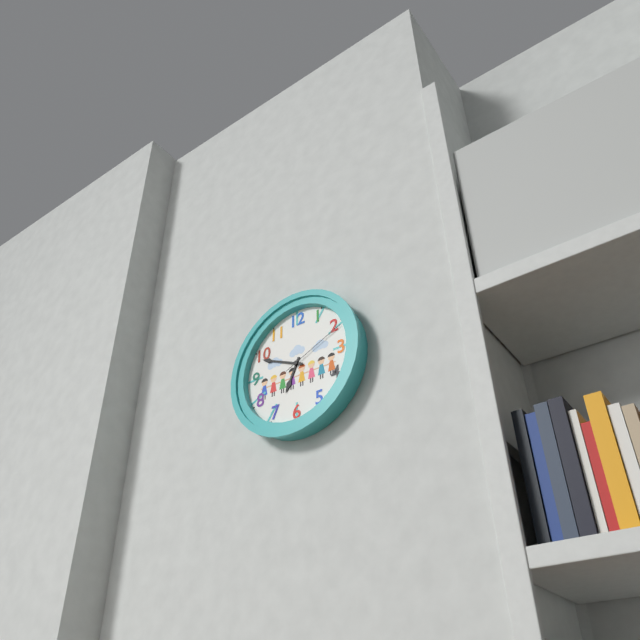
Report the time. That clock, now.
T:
6:49:11
